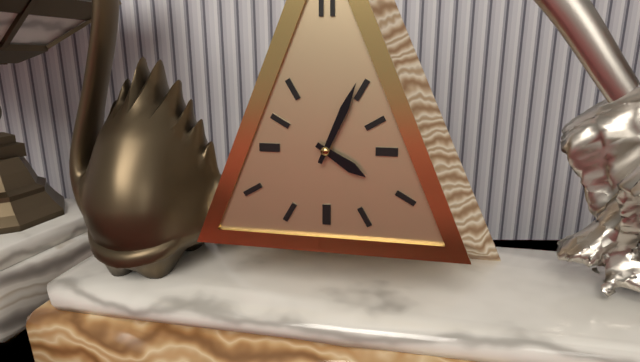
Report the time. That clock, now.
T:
4:04
